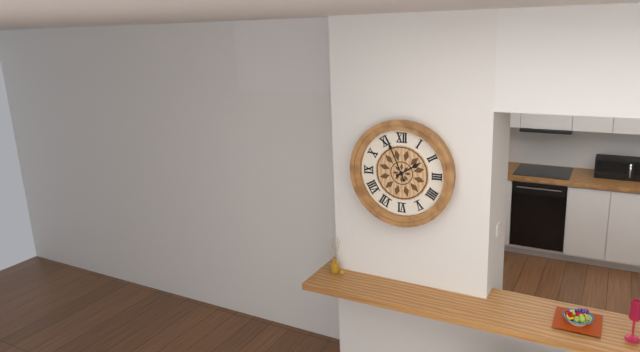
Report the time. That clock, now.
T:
1:56
